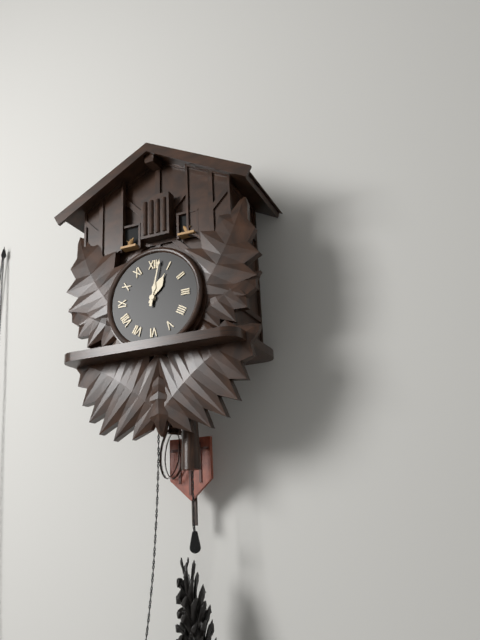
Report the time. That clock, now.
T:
1:02
